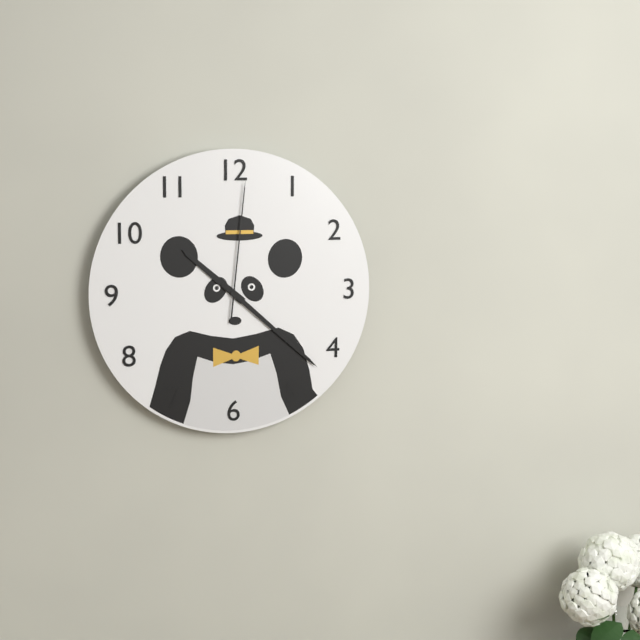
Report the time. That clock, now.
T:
10:22:01
